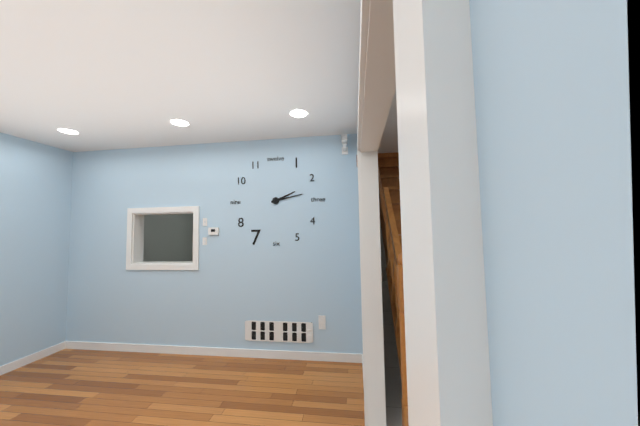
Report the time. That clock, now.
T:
2:13
